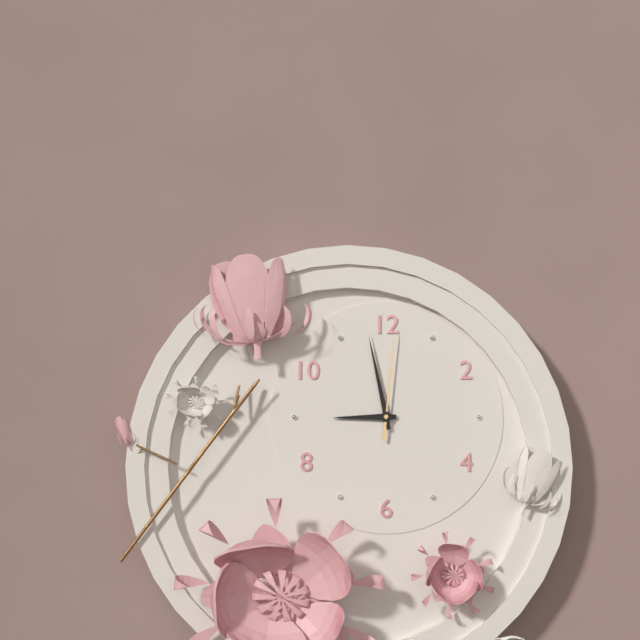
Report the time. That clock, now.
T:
8:58:01
